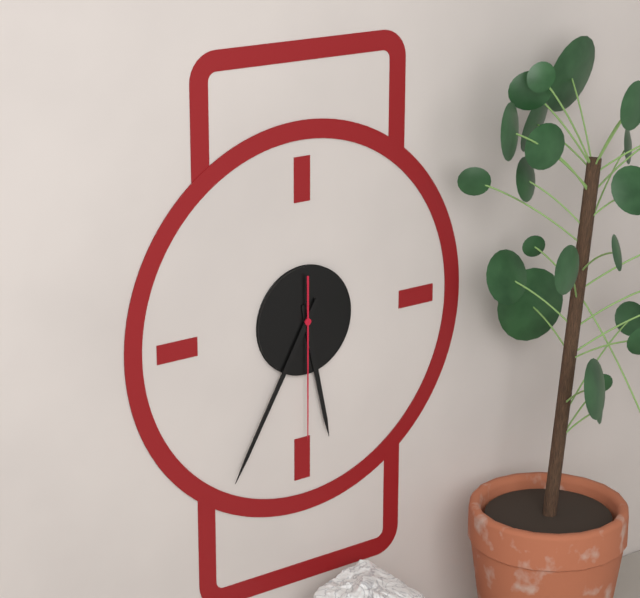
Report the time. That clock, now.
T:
5:35:30
